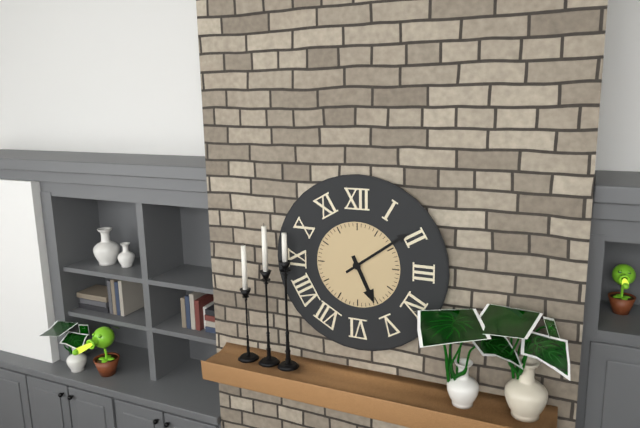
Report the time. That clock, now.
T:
5:09
